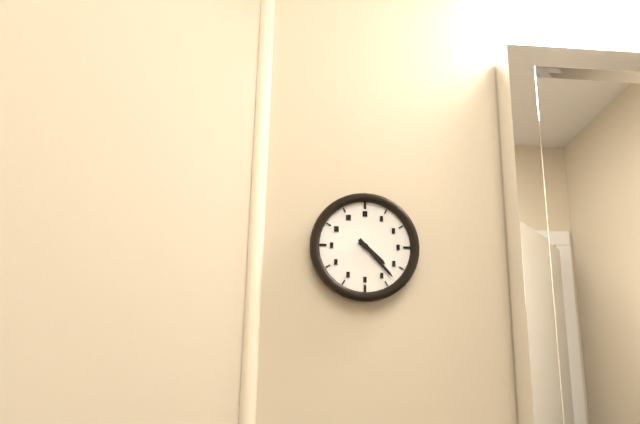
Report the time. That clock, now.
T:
4:23
